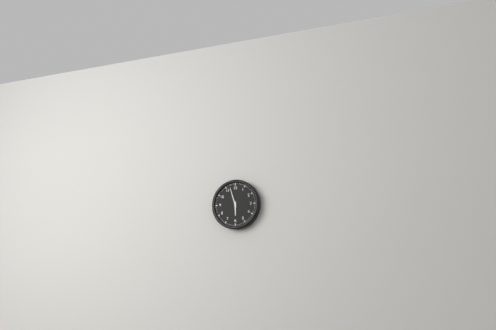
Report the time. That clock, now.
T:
5:57
